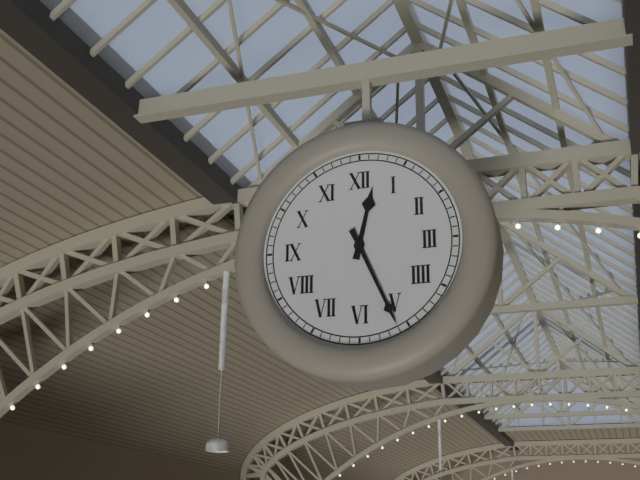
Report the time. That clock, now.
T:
12:26
